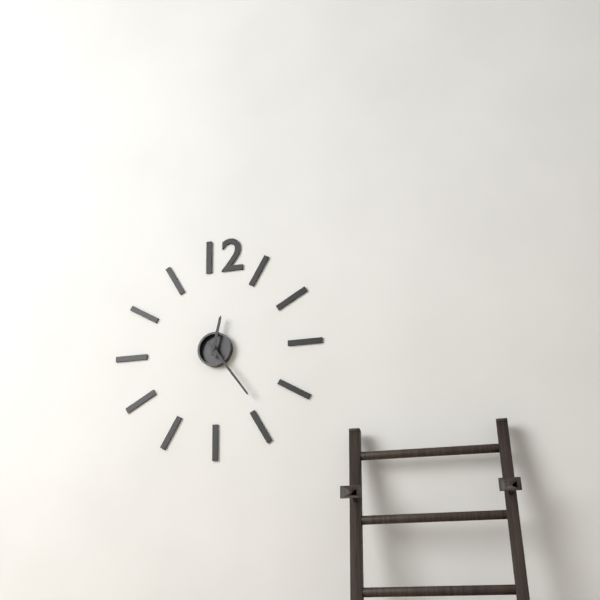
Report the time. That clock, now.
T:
12:24
